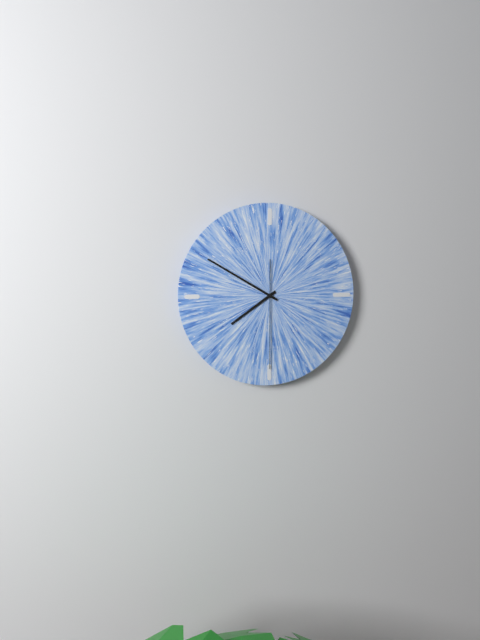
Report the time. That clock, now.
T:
7:50:30
